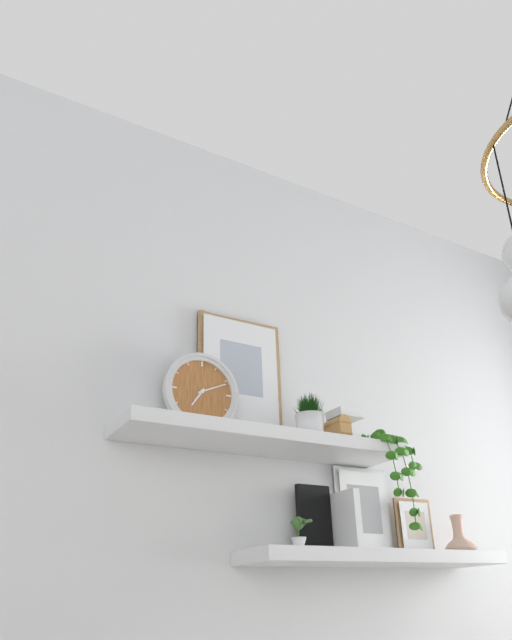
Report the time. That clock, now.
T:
7:11
